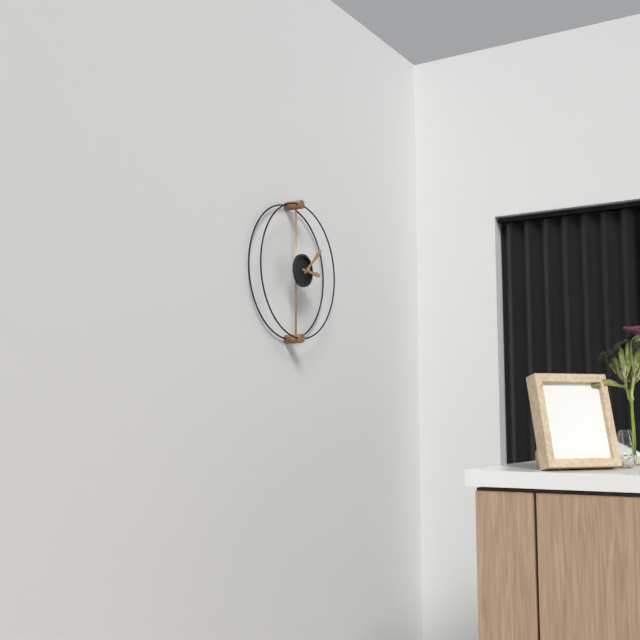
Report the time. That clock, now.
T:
3:08
